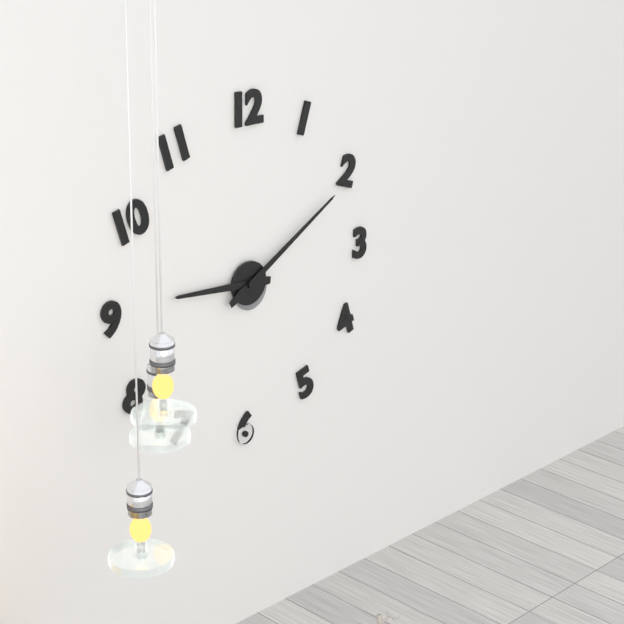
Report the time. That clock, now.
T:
9:10
